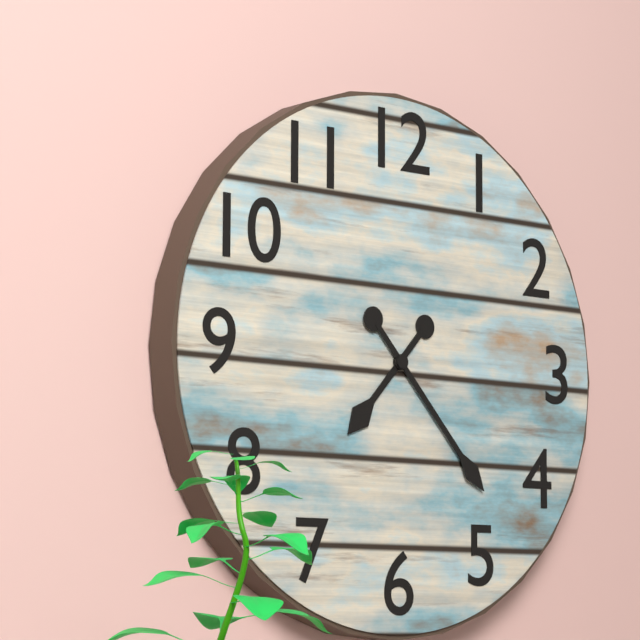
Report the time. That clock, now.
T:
7:23
